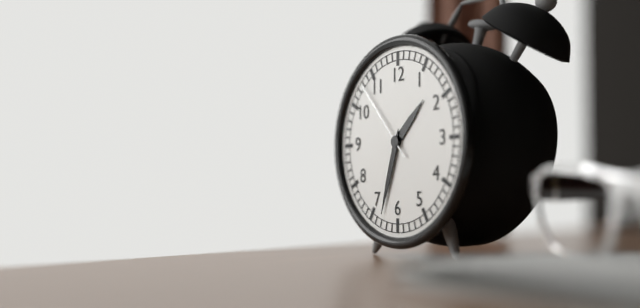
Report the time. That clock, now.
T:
1:33:53
